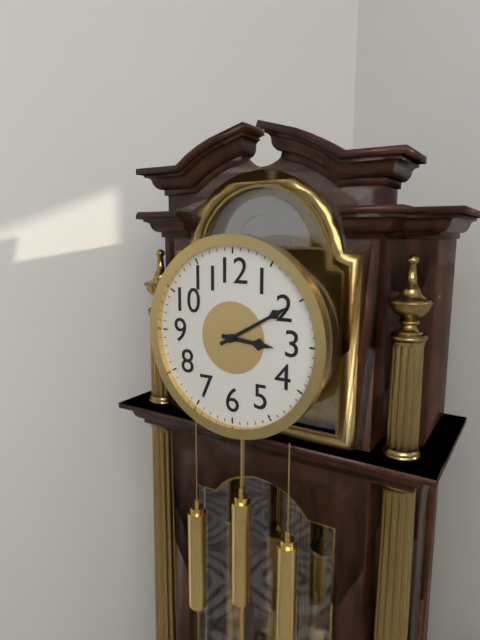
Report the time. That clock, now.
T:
3:10
